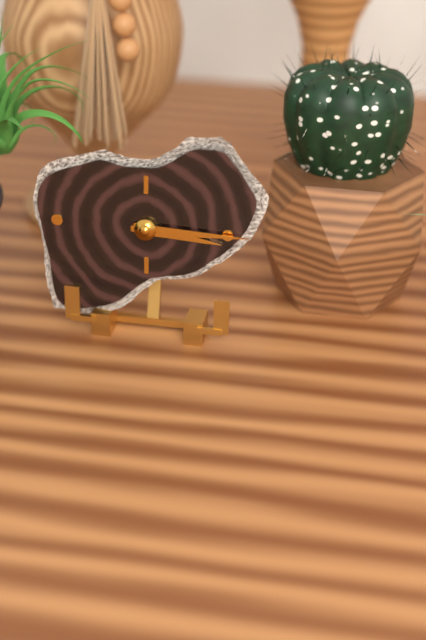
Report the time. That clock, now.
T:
3:15
